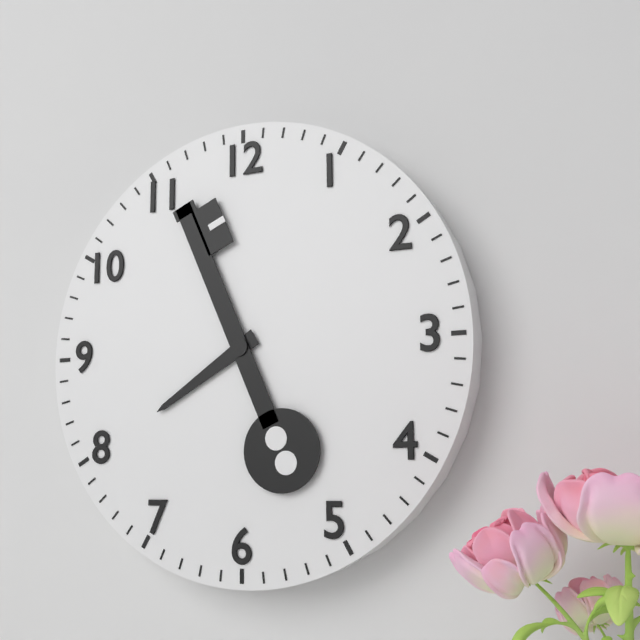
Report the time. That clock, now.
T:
7:56
